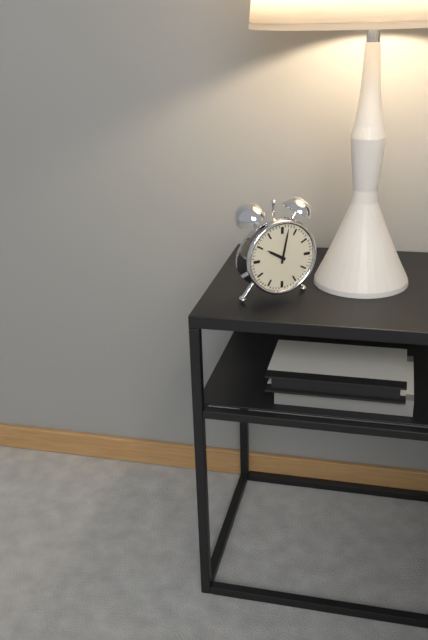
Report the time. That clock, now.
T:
10:02
